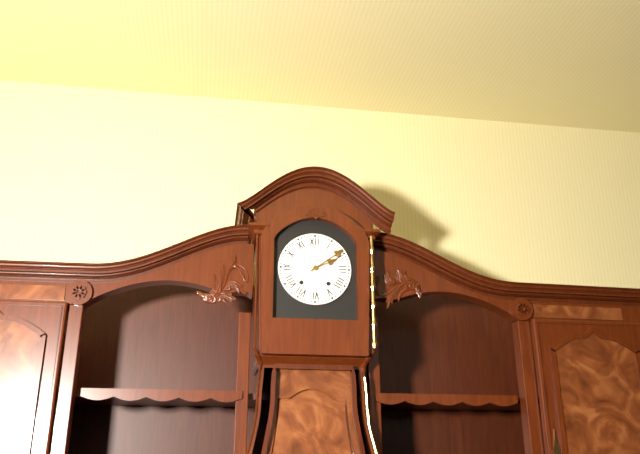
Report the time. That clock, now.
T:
2:09
